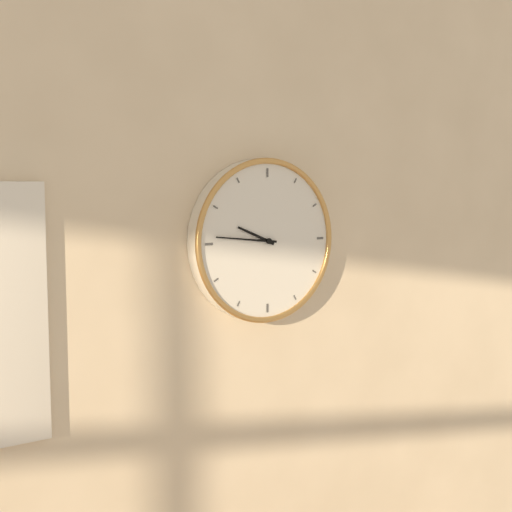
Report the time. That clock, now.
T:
9:46
